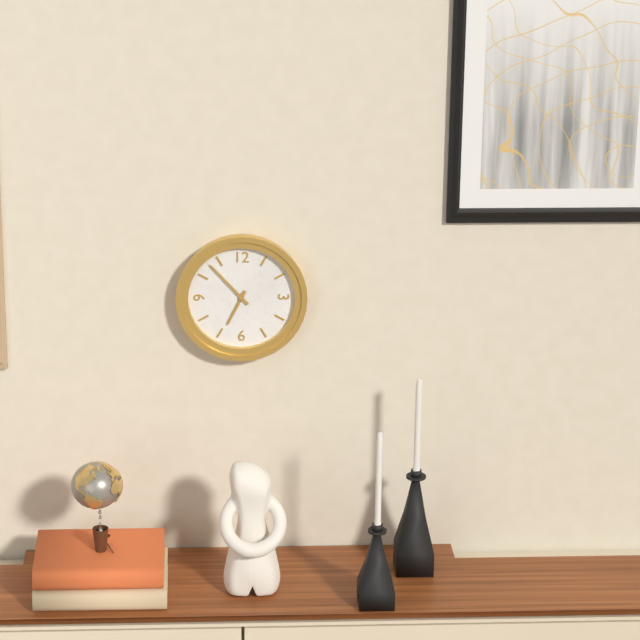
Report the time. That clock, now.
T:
6:53
